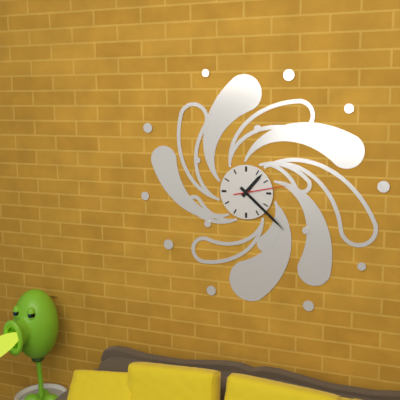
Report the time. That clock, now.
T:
1:22:13
